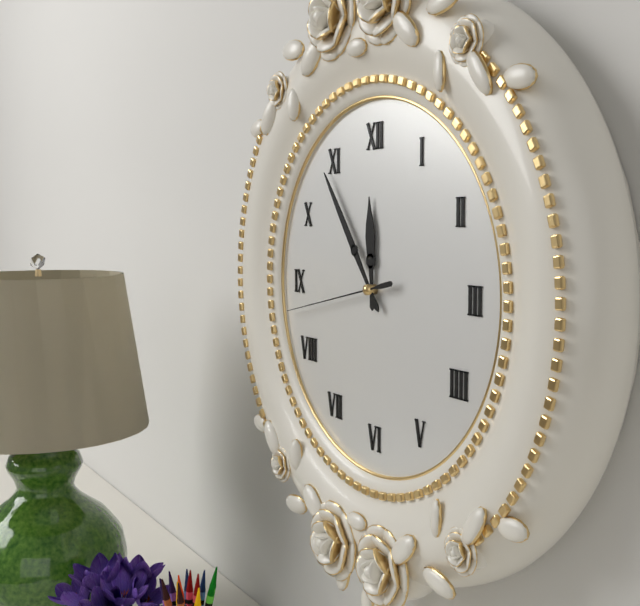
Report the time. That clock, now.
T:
11:54:43
